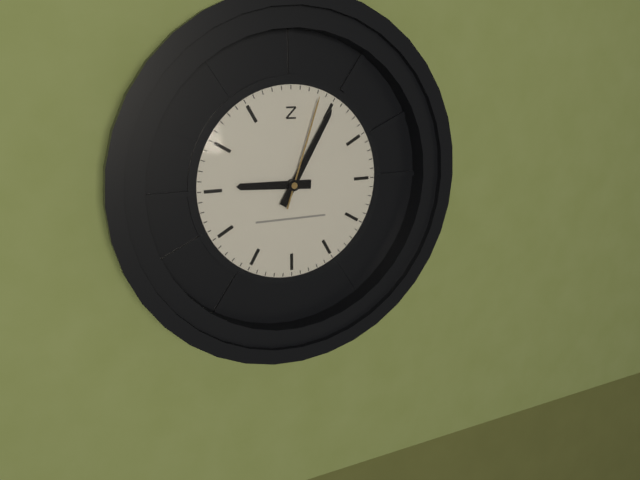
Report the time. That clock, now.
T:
9:05:03
